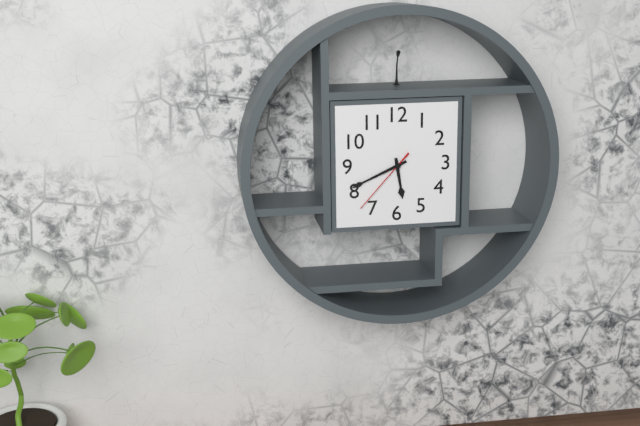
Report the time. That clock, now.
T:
5:41:37
